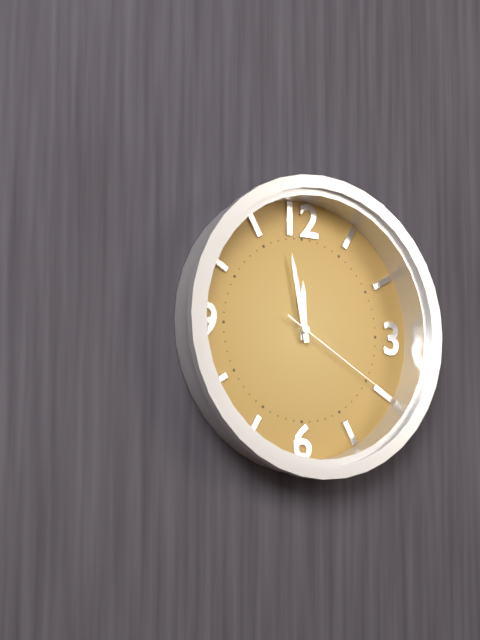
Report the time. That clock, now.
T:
11:58:20
